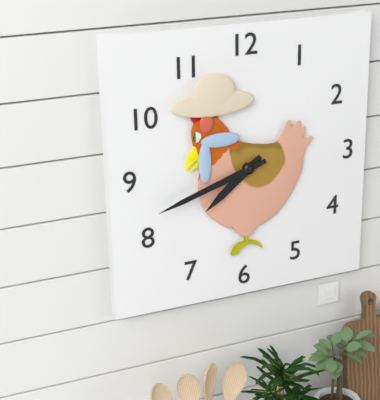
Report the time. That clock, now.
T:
7:42
